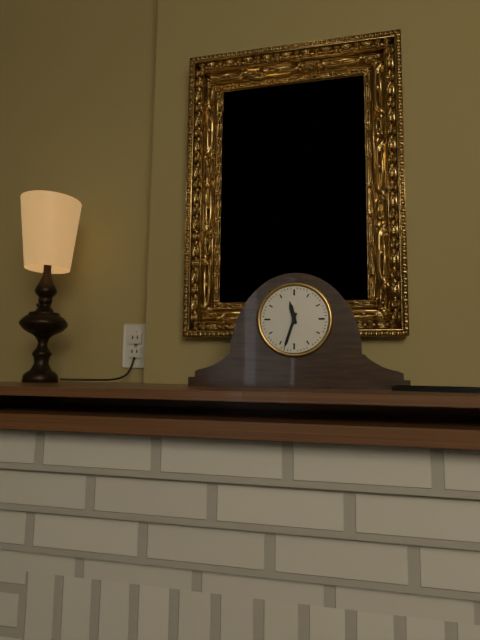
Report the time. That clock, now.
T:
11:33
